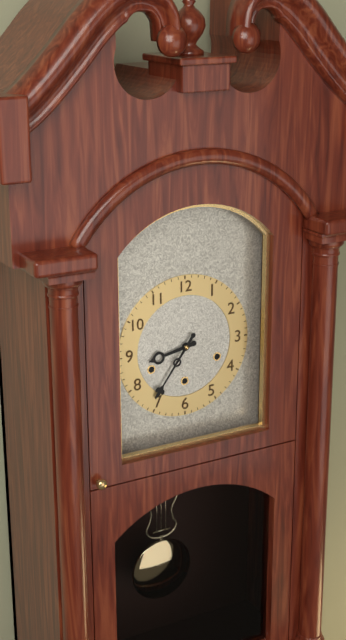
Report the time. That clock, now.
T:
8:36
